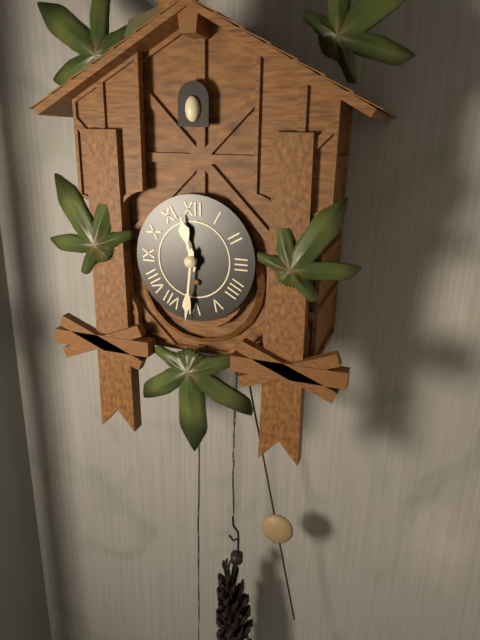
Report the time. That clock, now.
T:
11:31
